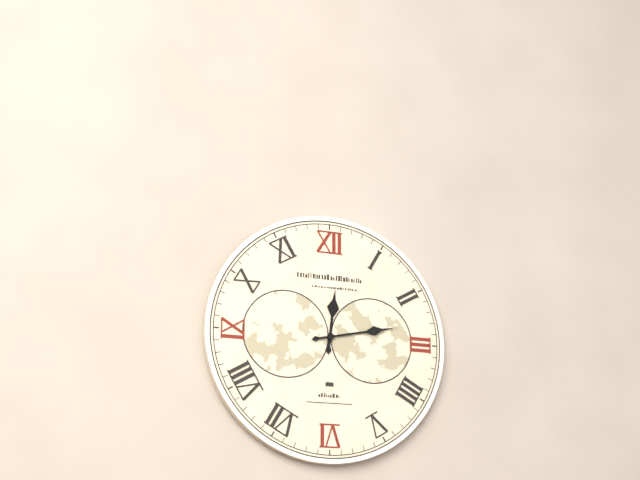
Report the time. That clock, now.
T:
12:13
